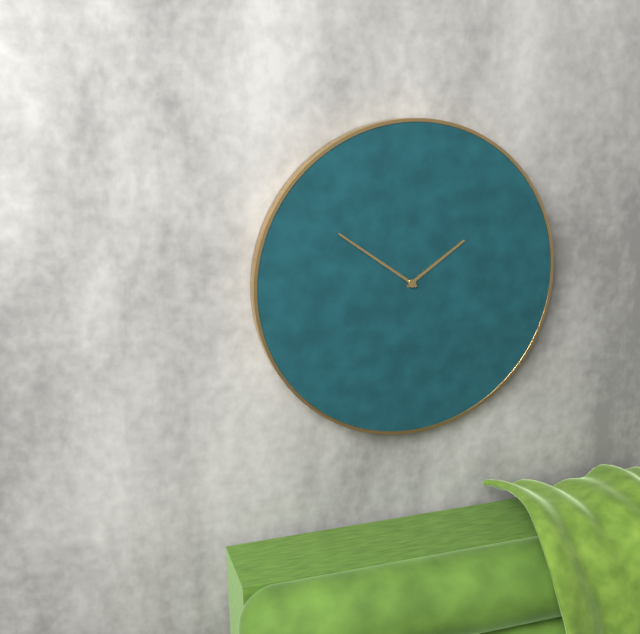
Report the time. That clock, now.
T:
1:51
